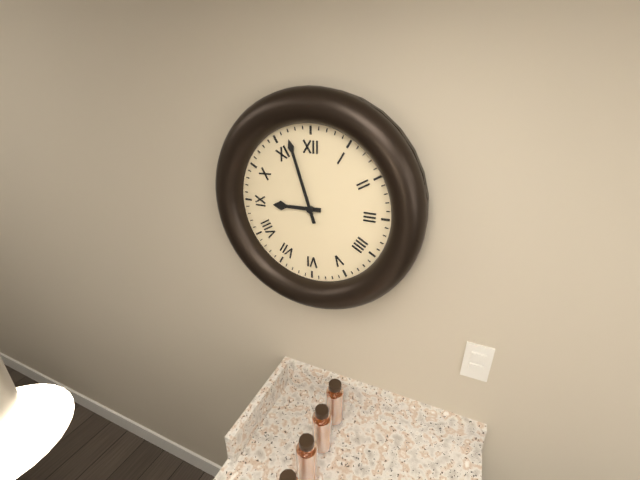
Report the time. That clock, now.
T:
8:57
